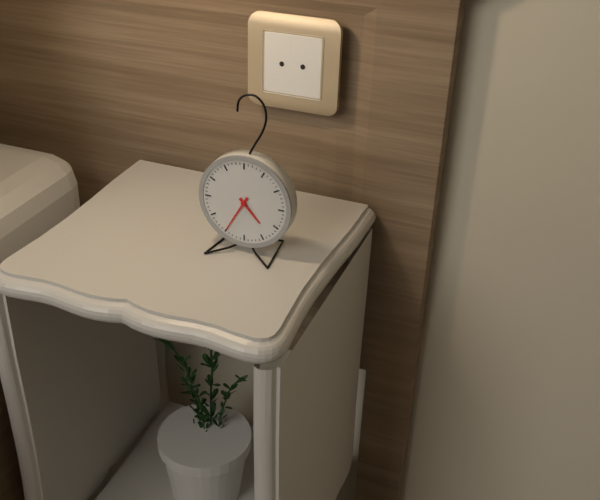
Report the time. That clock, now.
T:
4:35
